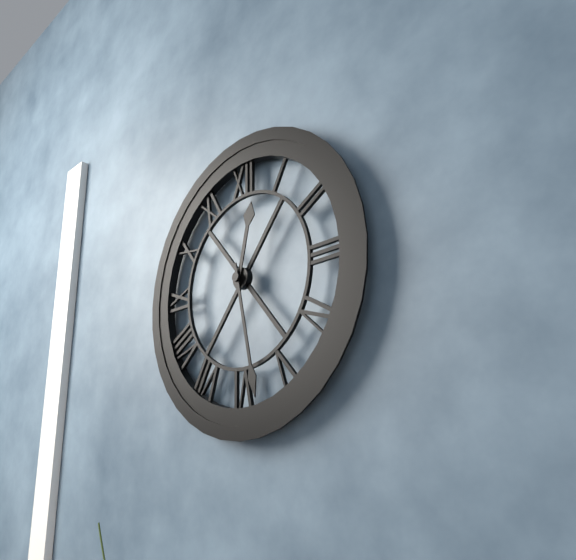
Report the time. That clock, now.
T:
12:28
